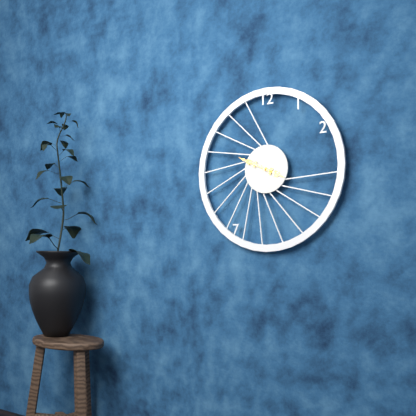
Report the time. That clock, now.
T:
3:49
